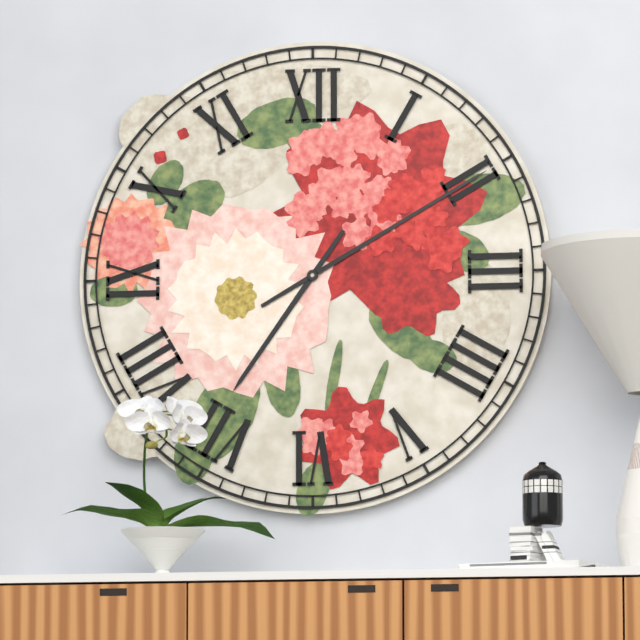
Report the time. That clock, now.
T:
7:10
